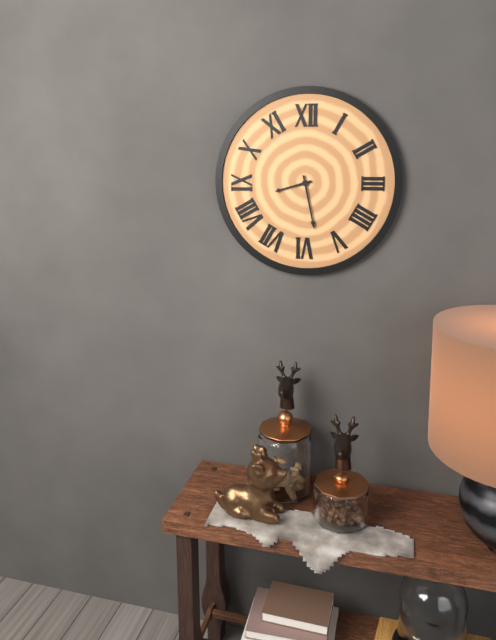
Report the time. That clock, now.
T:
8:28
